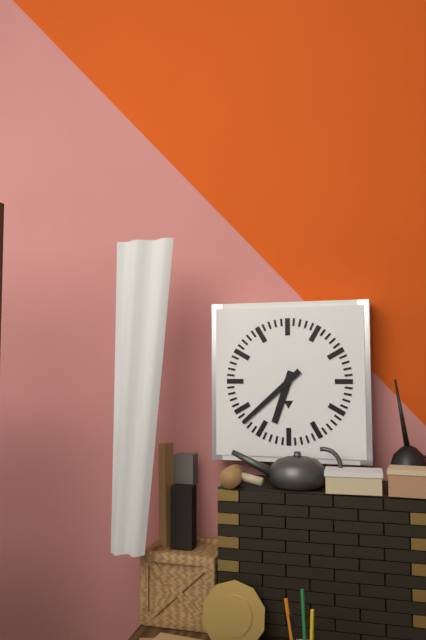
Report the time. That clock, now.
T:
6:38
